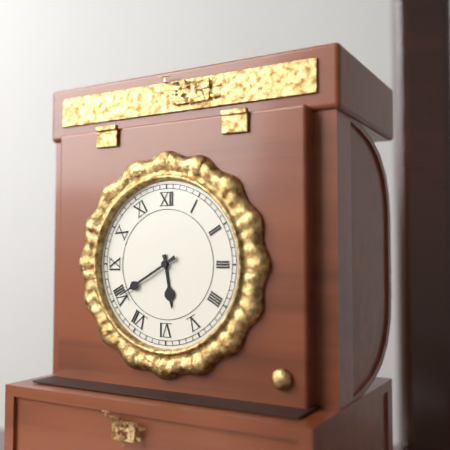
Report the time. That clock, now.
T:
5:40
